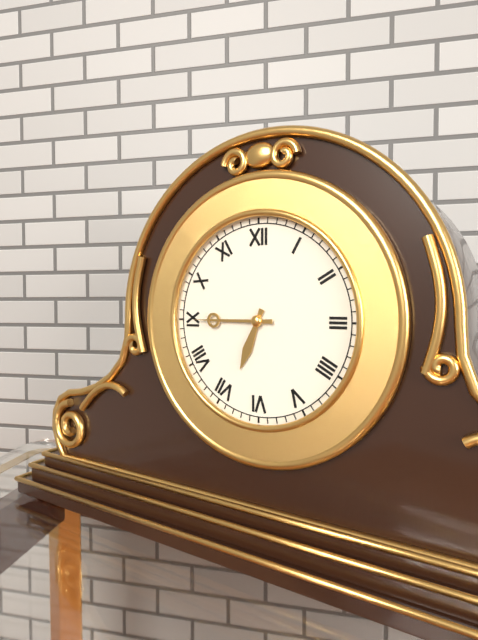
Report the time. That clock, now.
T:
6:45
